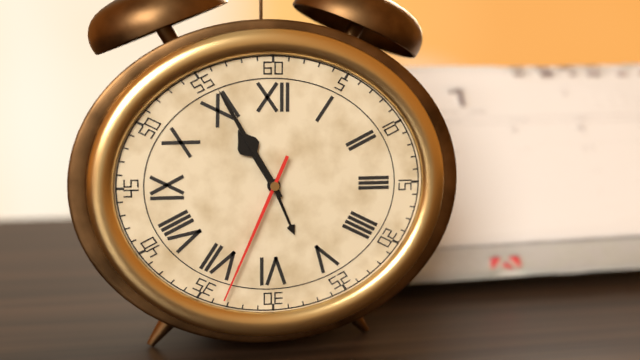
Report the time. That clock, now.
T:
10:55:34
